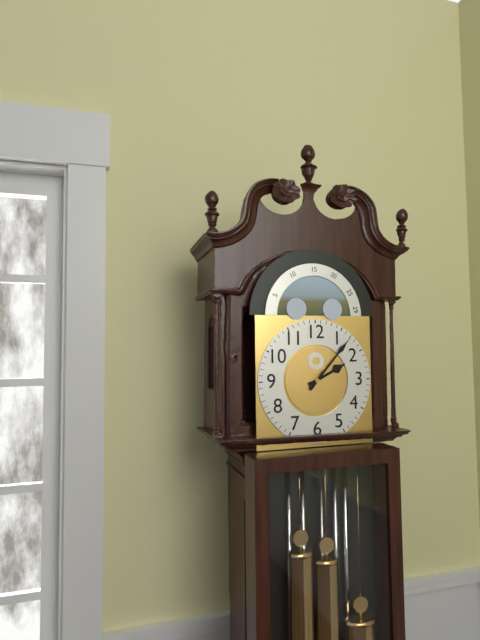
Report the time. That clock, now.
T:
2:07
